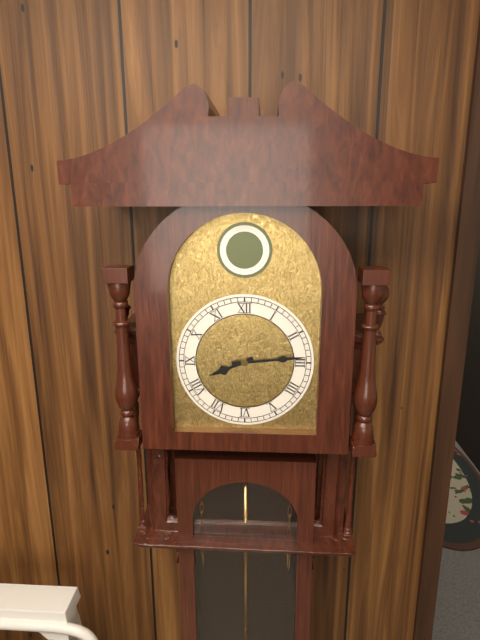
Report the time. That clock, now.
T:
8:14
